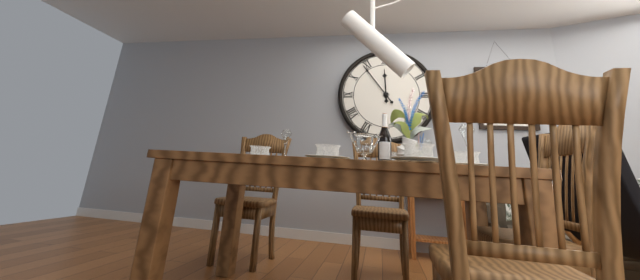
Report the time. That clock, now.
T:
11:54
